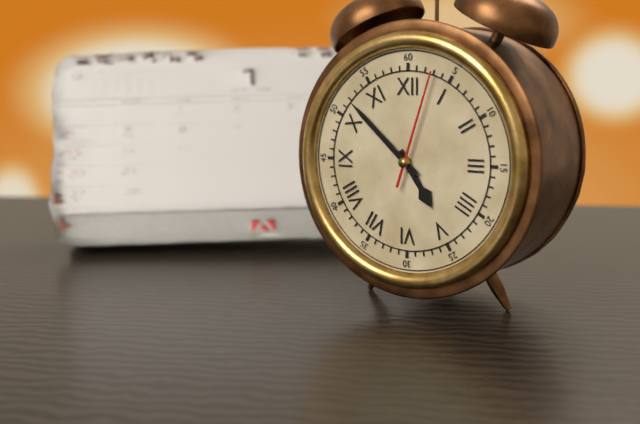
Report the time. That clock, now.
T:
4:52:03
